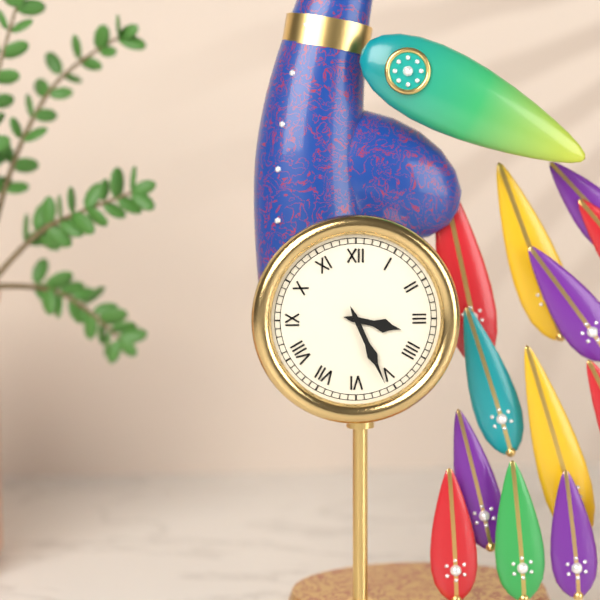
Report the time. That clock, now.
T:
3:26
